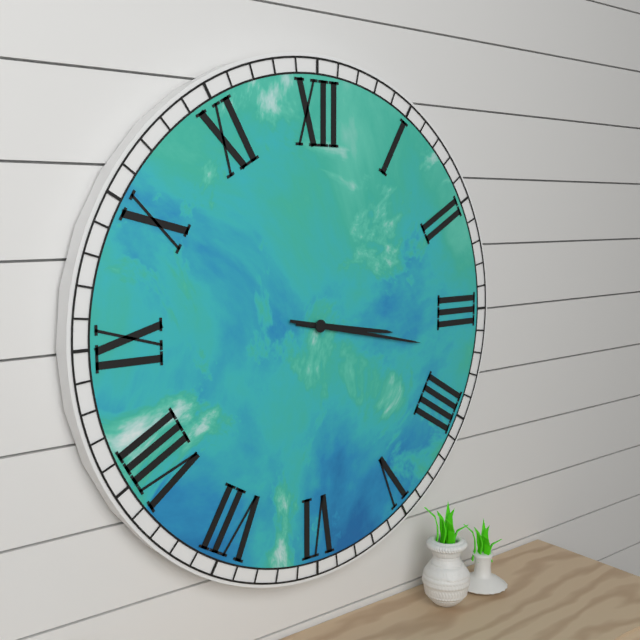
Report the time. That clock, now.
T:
3:17
